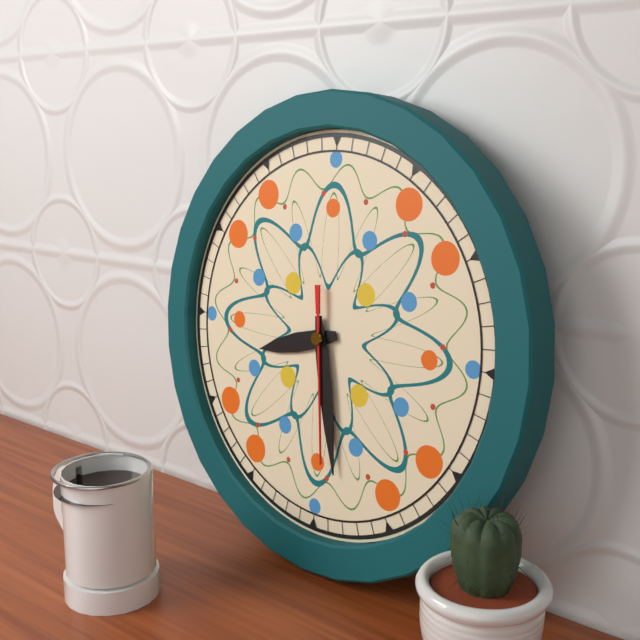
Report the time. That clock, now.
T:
8:28:29
